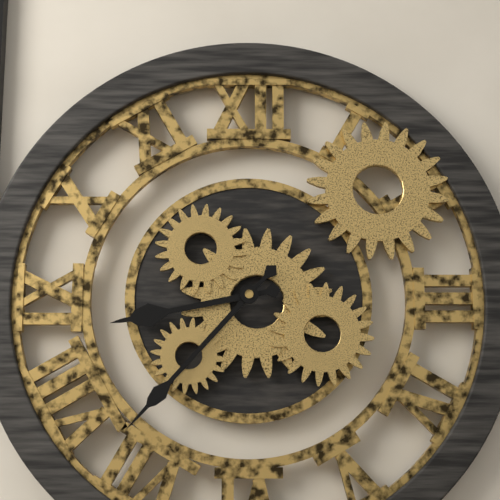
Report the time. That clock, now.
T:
8:37
